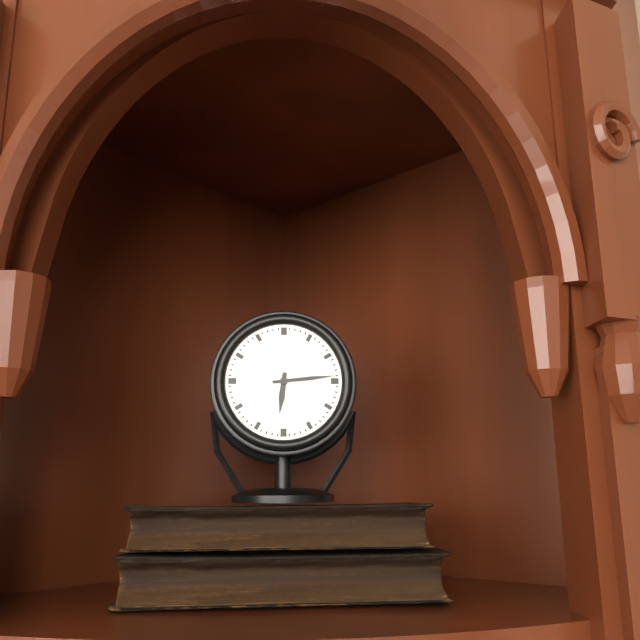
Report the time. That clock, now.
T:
6:14
